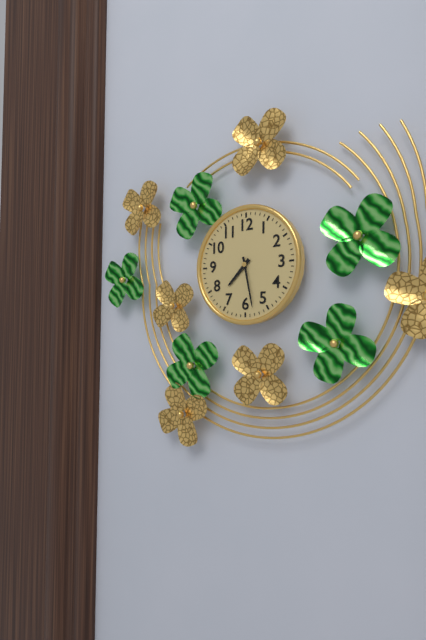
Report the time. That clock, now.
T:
7:28
